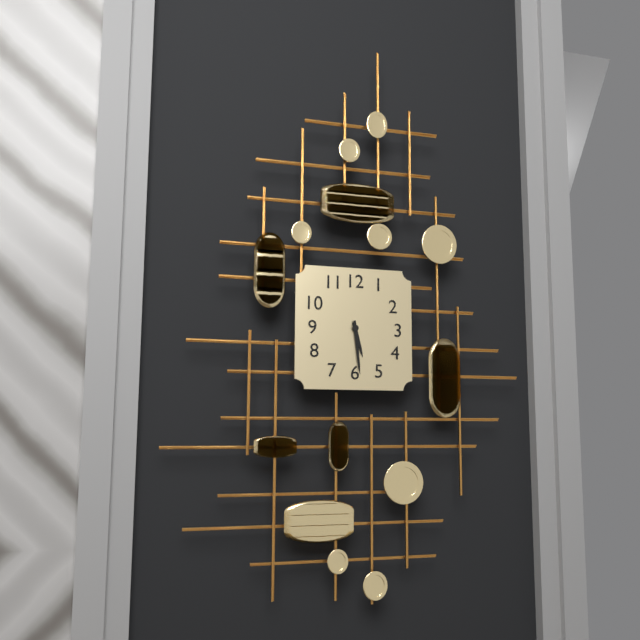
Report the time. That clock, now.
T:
5:29
